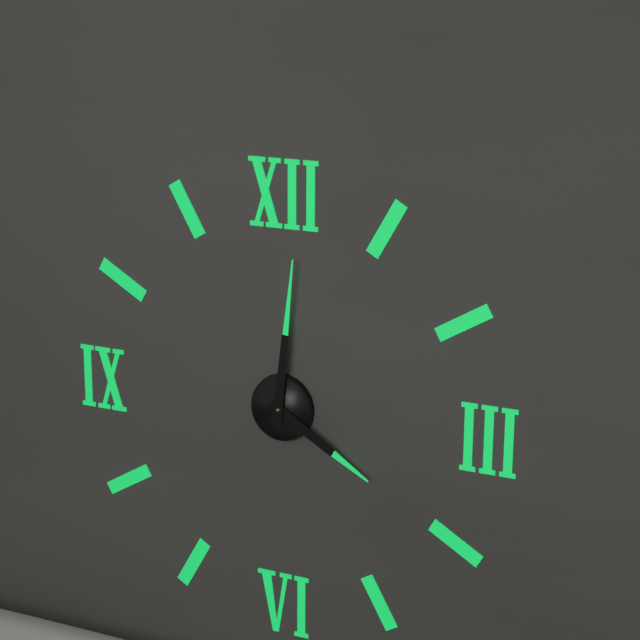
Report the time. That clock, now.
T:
4:01
